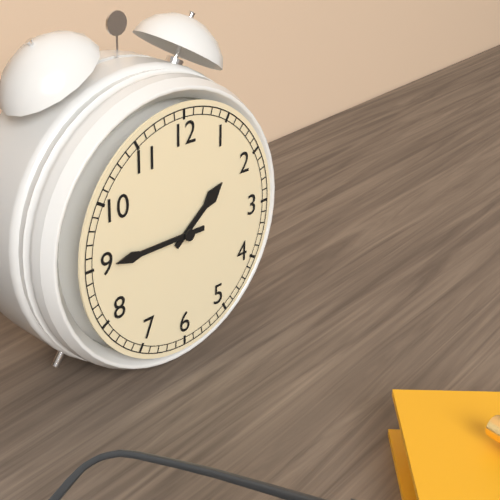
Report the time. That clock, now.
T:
1:45
